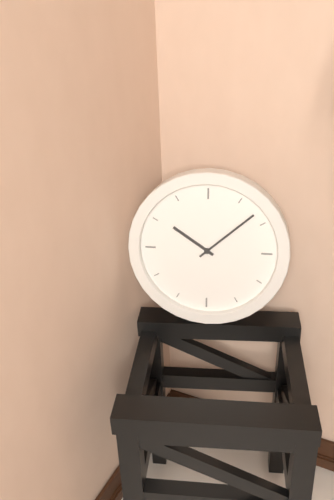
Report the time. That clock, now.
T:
10:08
